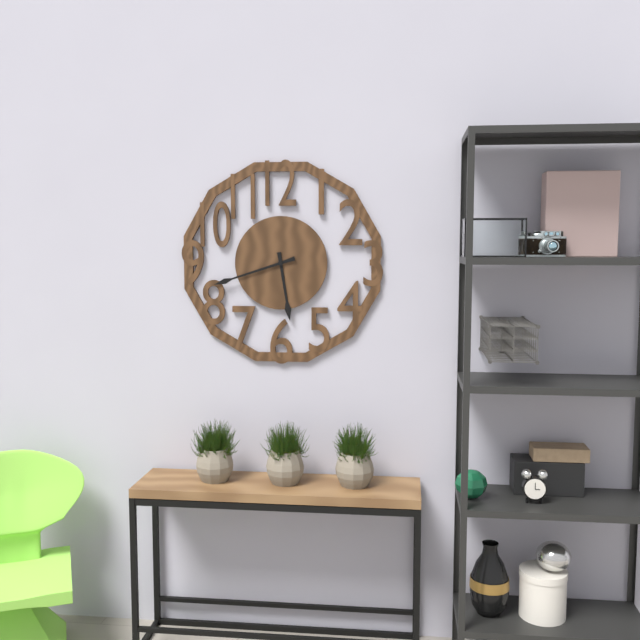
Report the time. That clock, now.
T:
5:42
